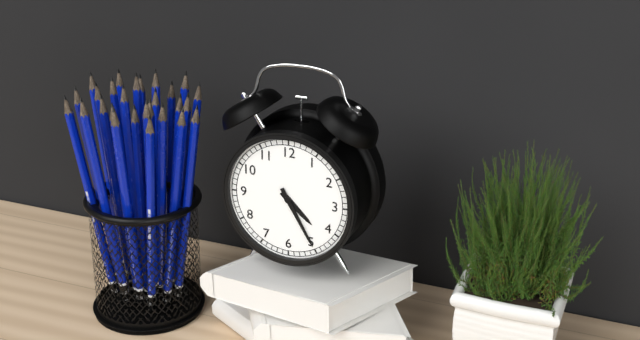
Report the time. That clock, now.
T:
4:25
